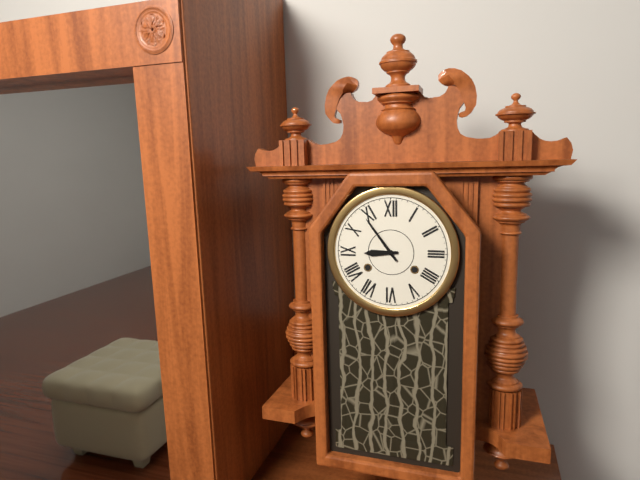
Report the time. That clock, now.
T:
8:54
